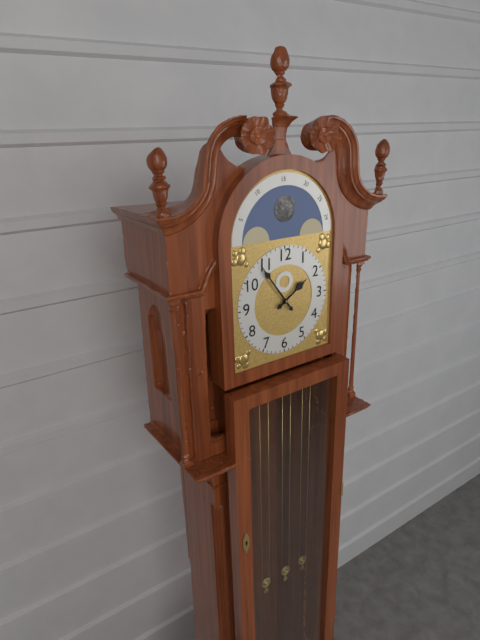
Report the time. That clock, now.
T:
1:54
